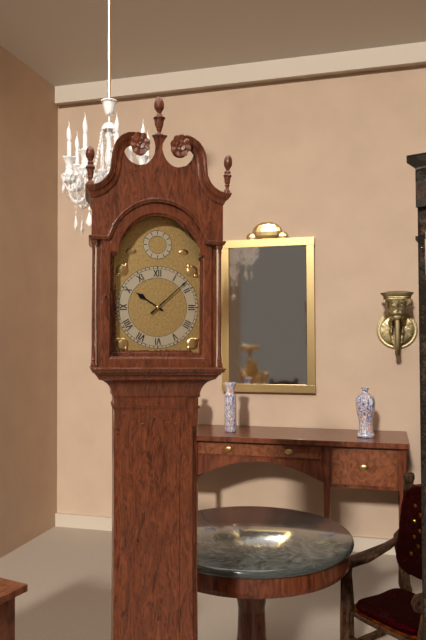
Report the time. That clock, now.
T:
10:08
